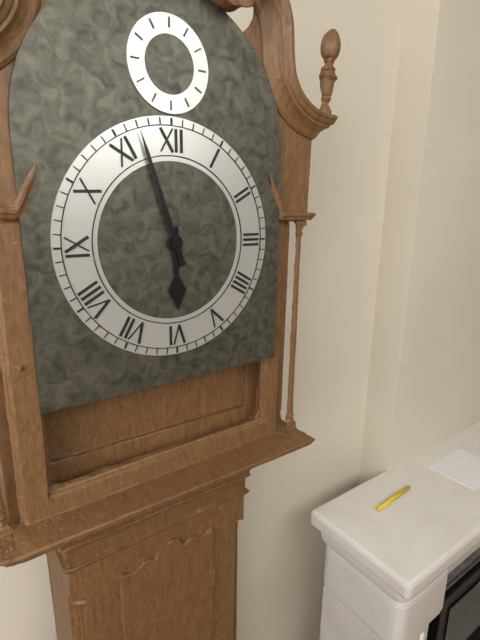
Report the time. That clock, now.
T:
5:57
